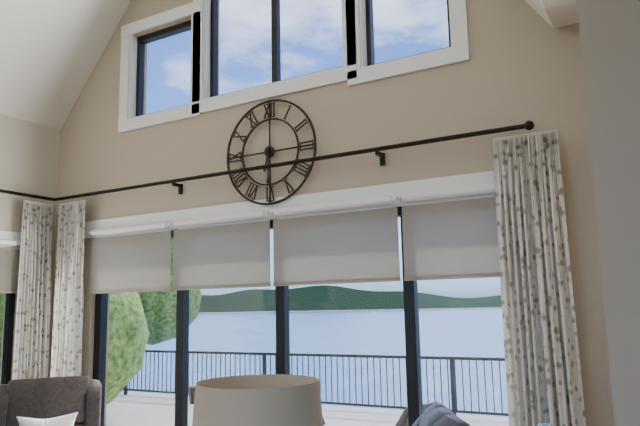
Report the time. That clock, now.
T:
6:30
